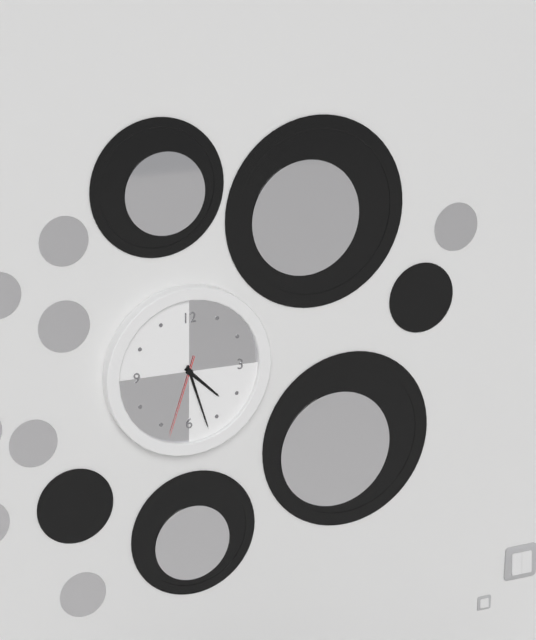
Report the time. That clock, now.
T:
4:27:33
